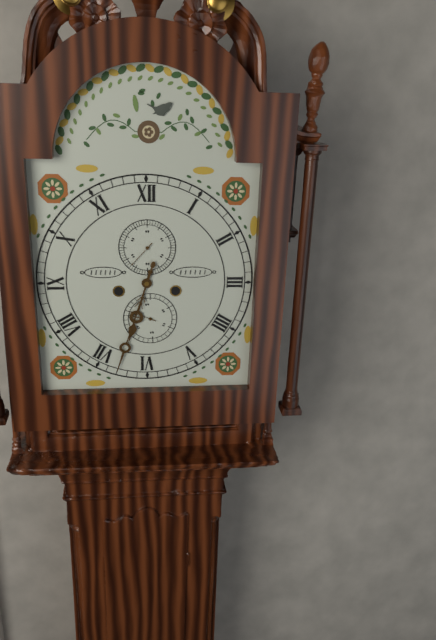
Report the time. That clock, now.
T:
6:33
